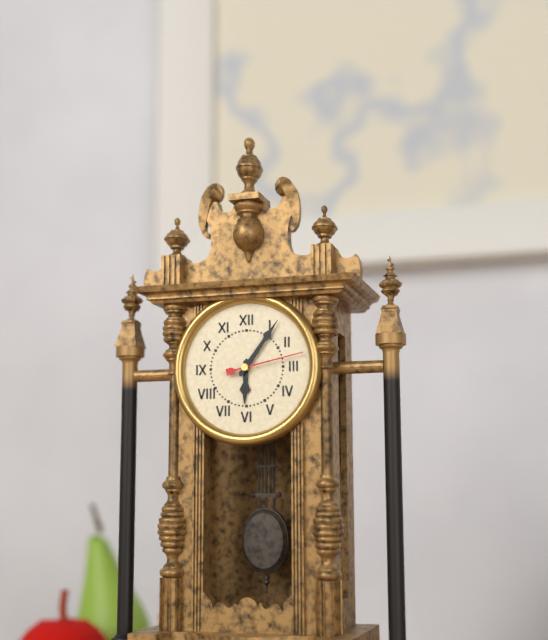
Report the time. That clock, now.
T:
6:06:13
